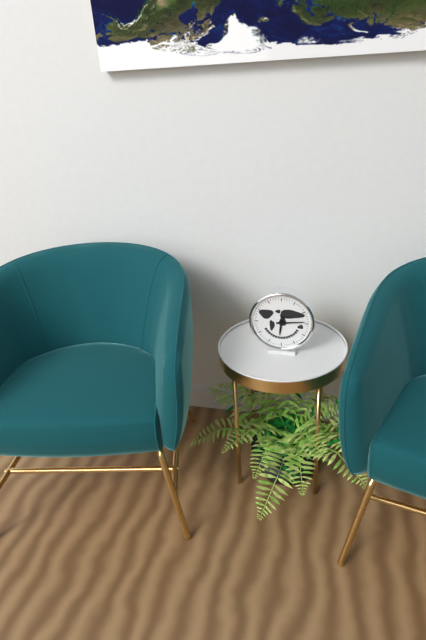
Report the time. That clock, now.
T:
6:14
